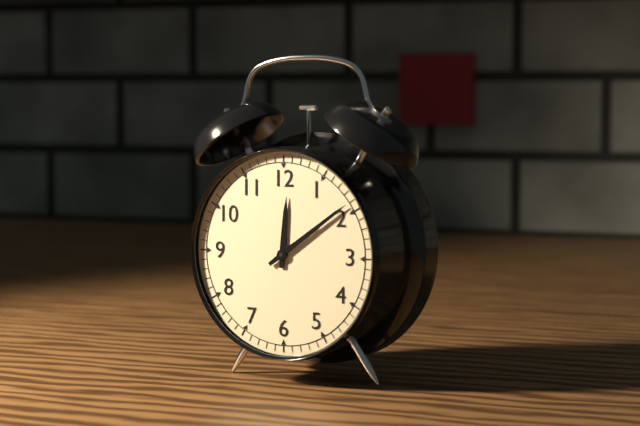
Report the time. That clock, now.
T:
12:09
